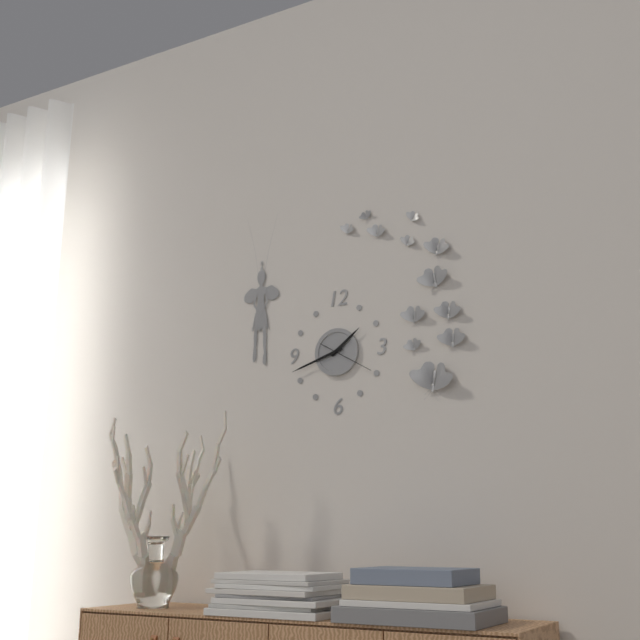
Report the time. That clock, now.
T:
1:42:20
